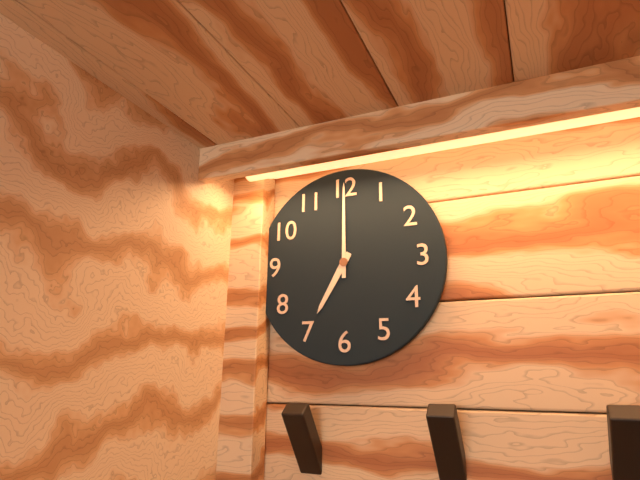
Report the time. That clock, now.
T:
7:00
